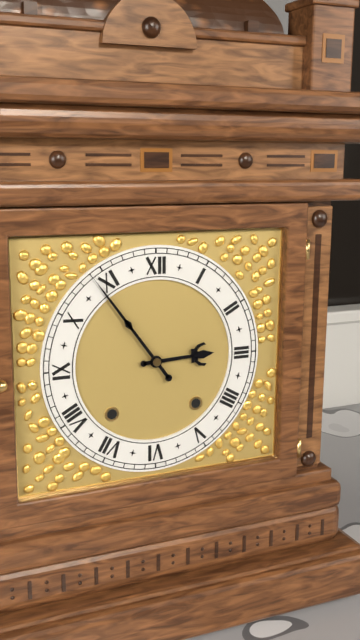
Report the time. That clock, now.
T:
2:54
